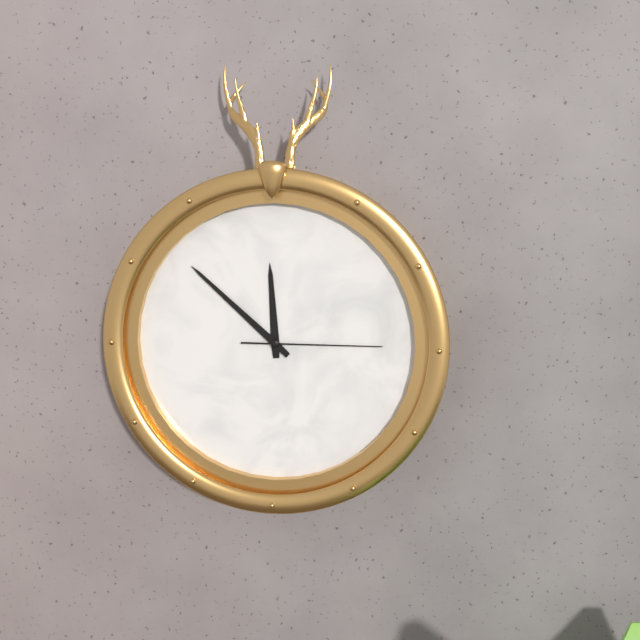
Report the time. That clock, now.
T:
11:52:15
